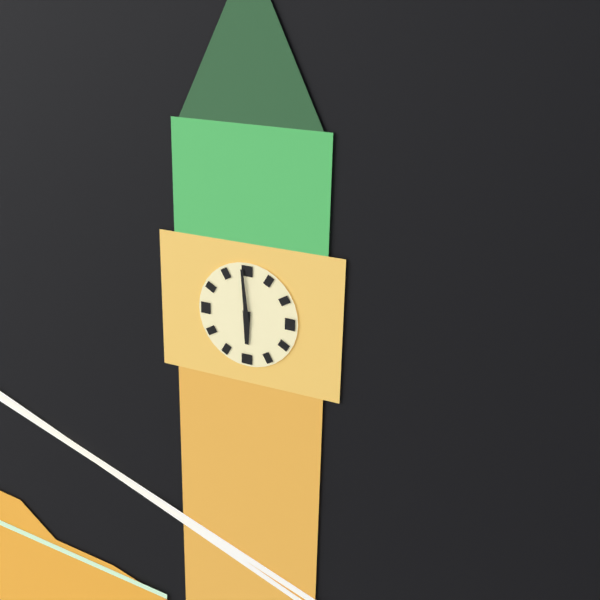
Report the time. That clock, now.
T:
5:59
